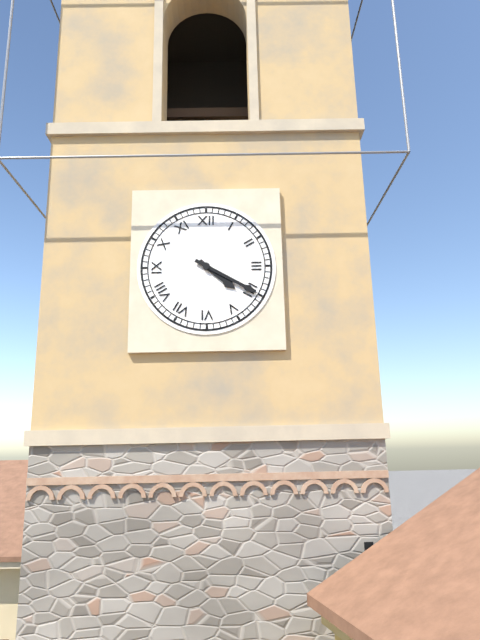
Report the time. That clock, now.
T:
4:20
